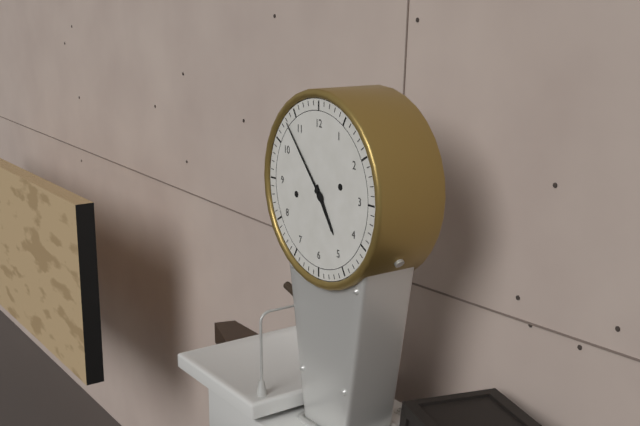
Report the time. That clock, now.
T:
4:53
